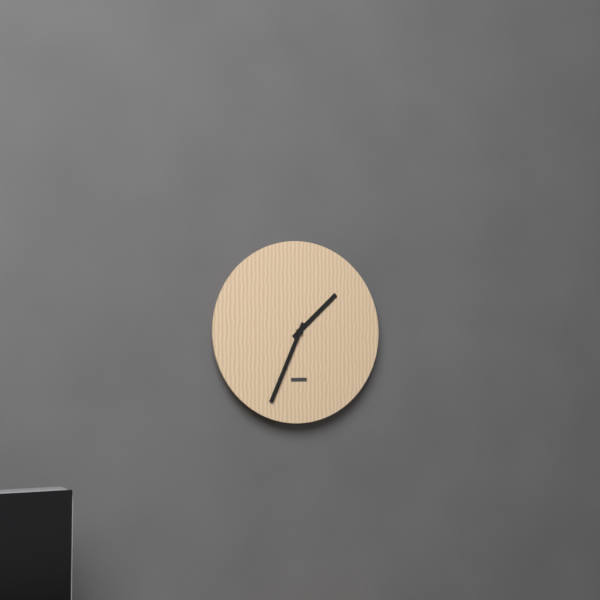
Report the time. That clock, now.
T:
1:34
